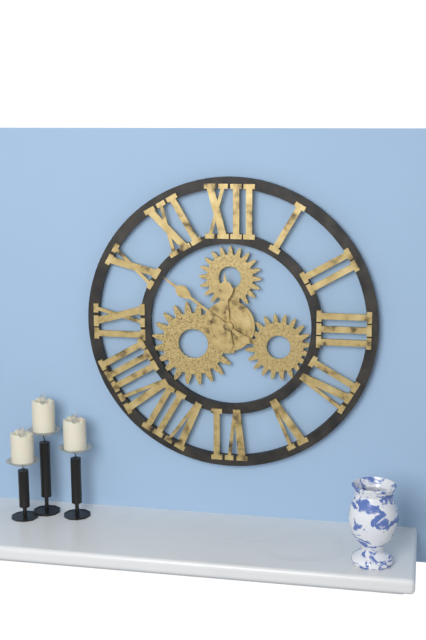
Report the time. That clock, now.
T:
11:51
